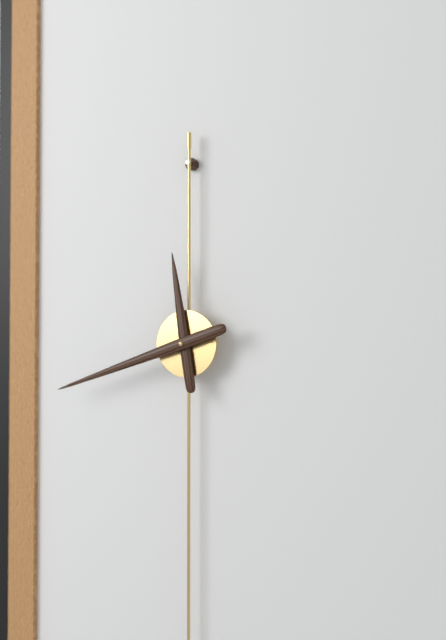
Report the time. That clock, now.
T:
11:42
